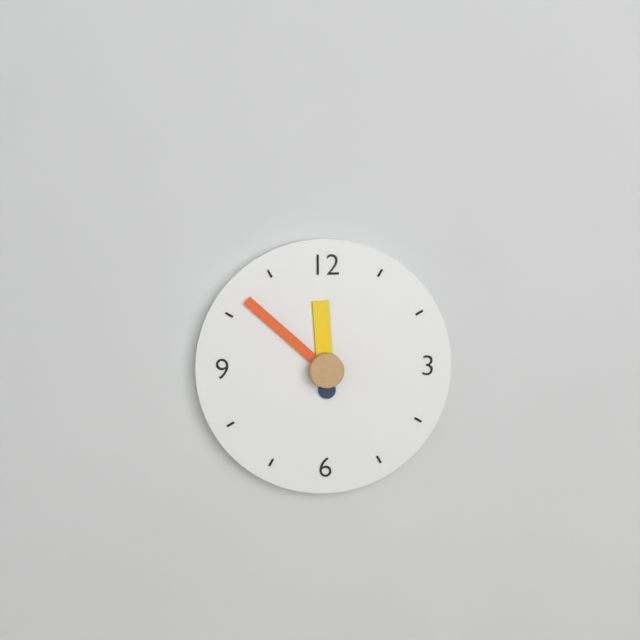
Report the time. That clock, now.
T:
11:52
